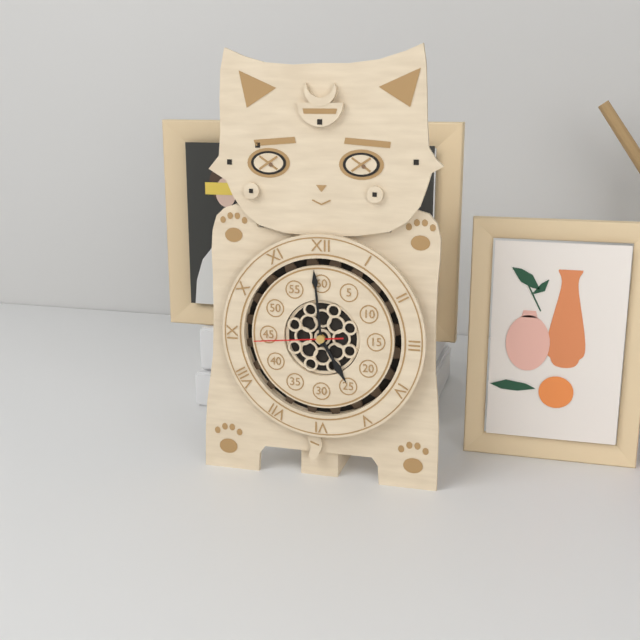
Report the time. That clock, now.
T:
4:59:44
